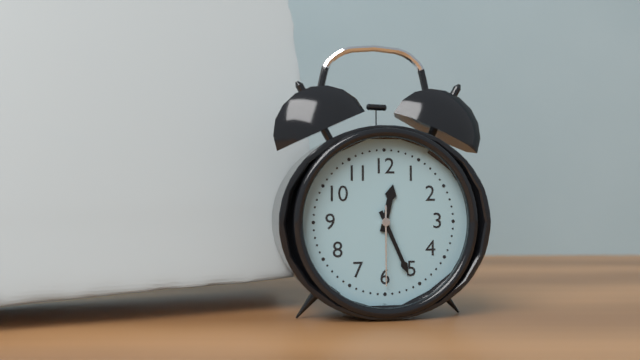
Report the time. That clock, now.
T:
12:26:30
